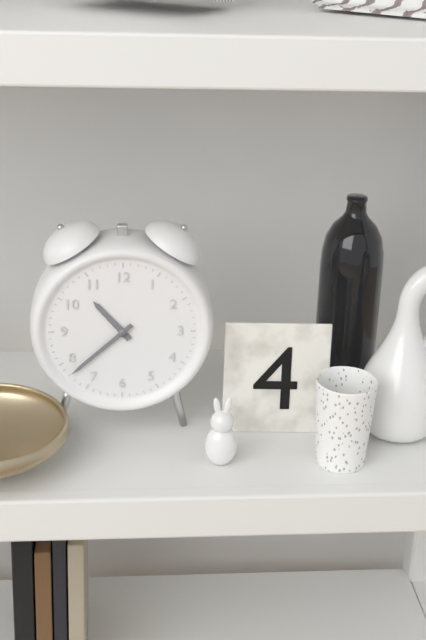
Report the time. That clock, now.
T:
10:38
